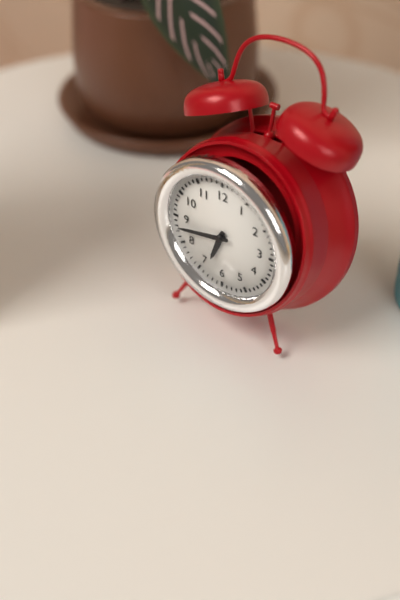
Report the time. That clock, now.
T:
6:43
